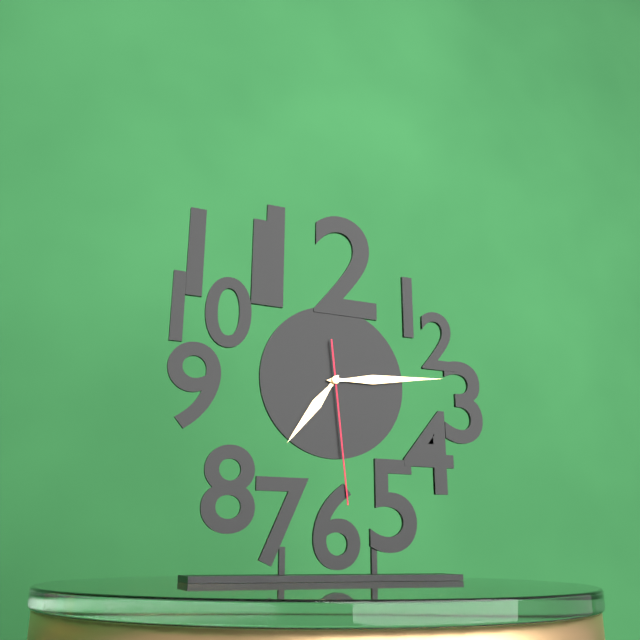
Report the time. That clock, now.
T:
7:14:29
